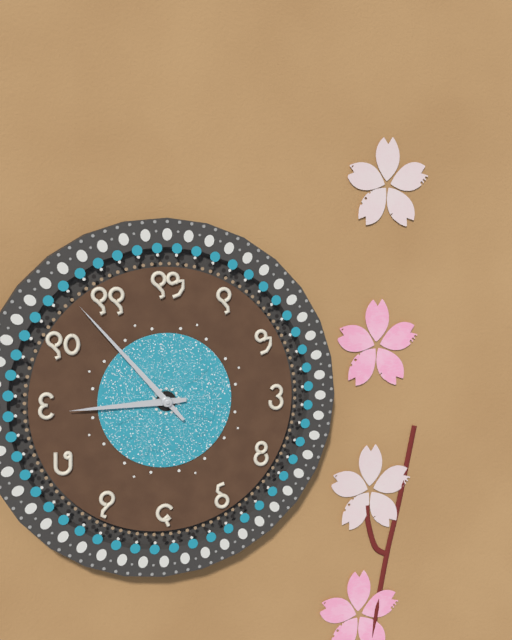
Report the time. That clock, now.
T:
8:53
